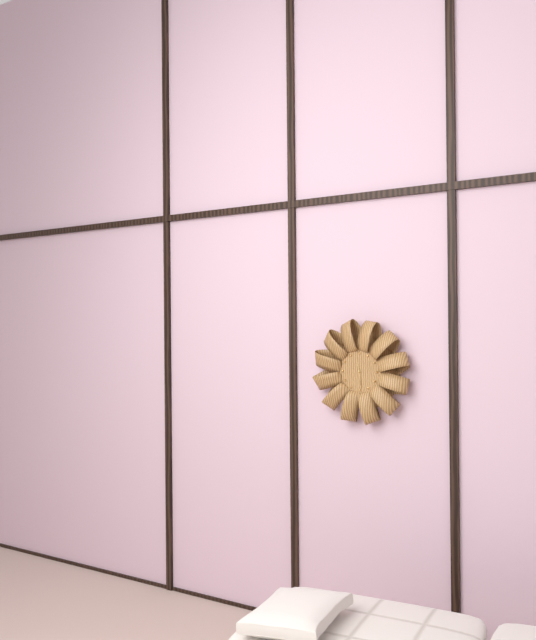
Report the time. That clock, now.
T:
11:29
